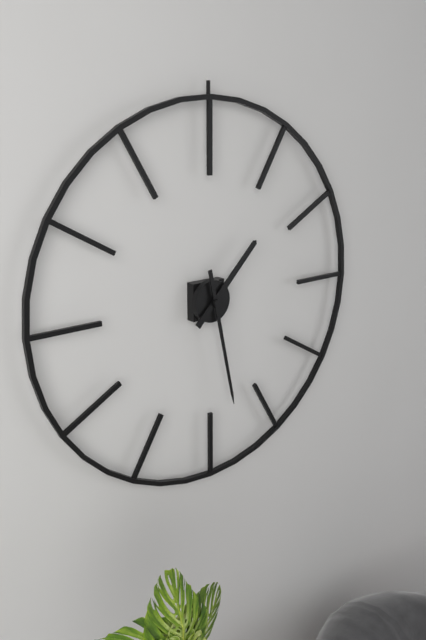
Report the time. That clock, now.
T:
1:28
